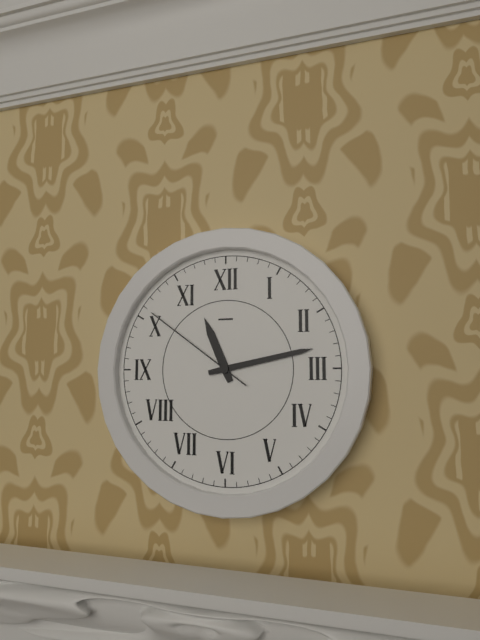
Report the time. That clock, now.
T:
11:13:51
